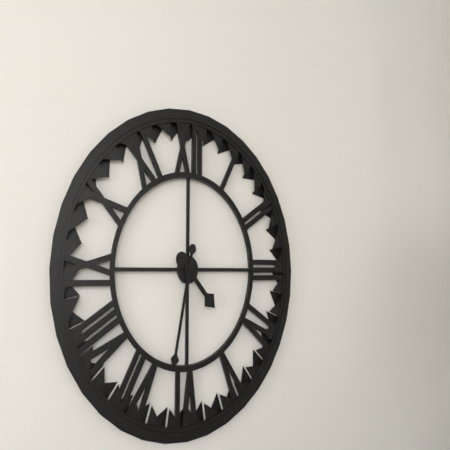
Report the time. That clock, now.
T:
4:32
